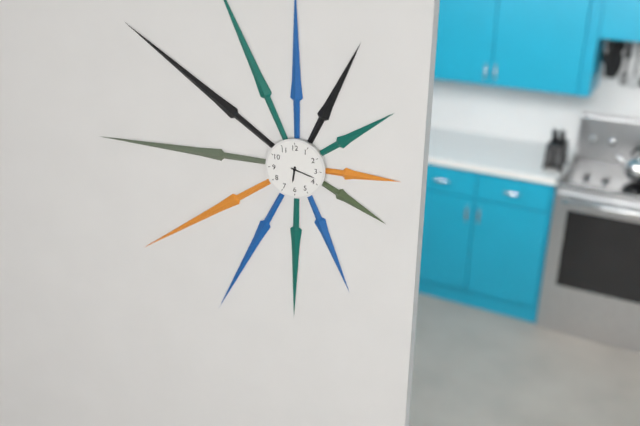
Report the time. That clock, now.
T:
6:18
